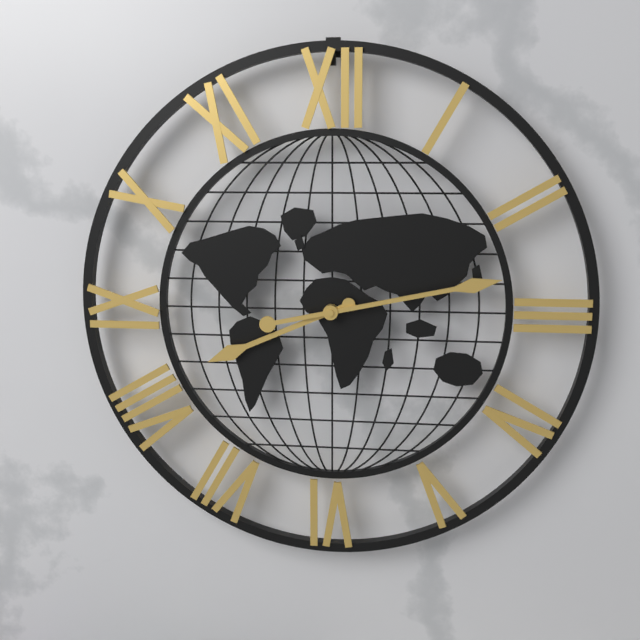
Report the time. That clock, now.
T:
8:13
